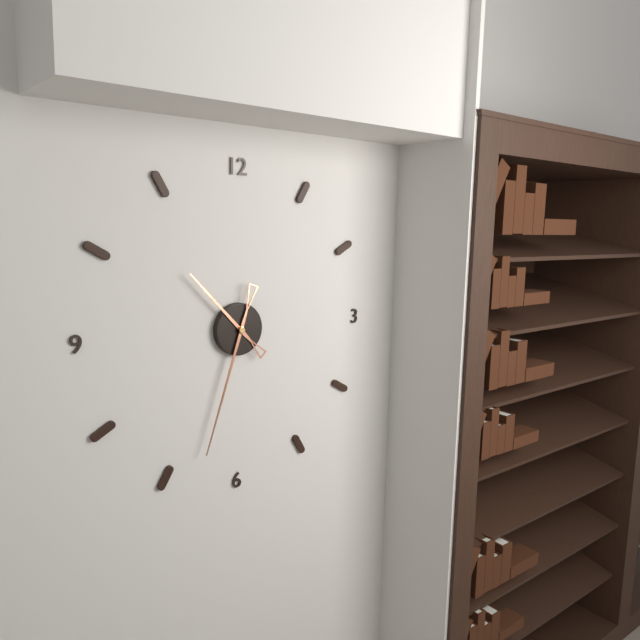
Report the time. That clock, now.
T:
10:33
